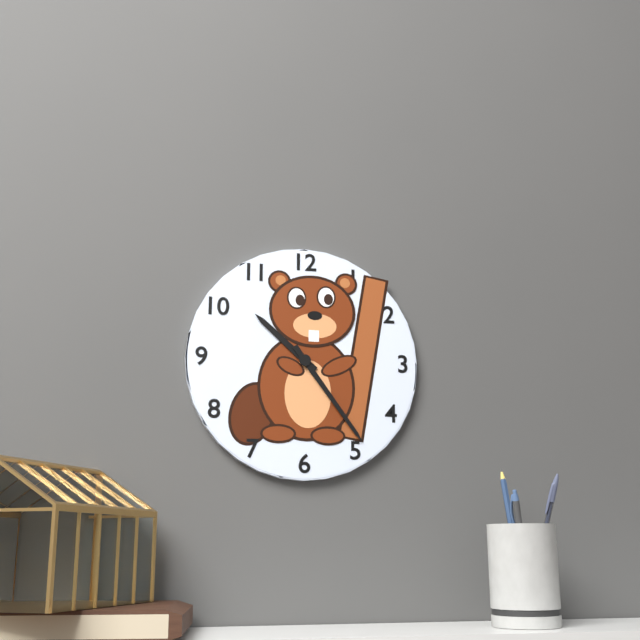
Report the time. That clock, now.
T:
10:24
